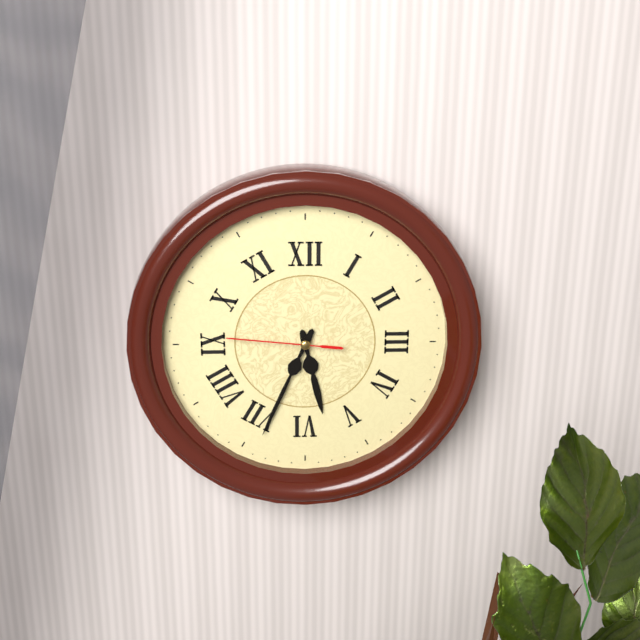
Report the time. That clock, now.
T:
5:34:46
